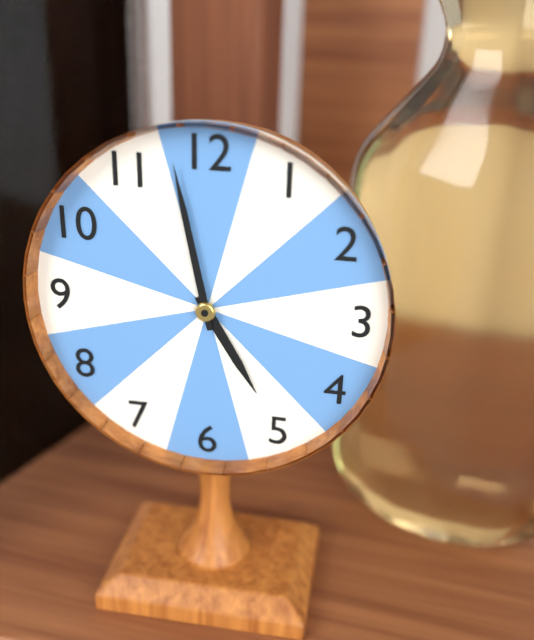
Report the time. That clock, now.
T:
4:58
